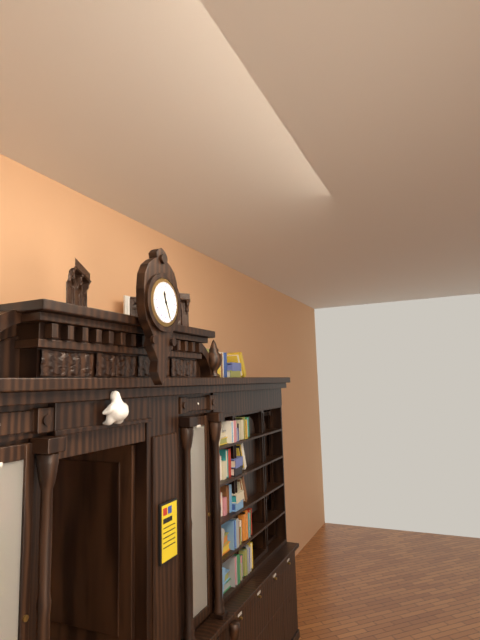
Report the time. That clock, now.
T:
11:26
